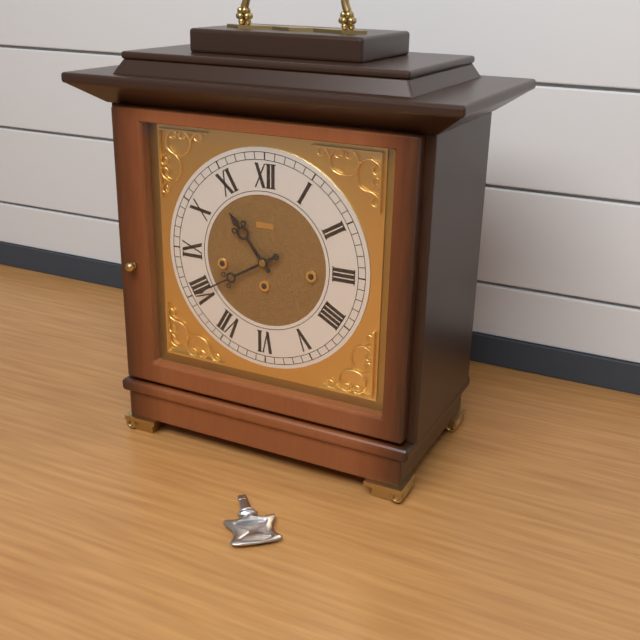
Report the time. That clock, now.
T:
10:40
